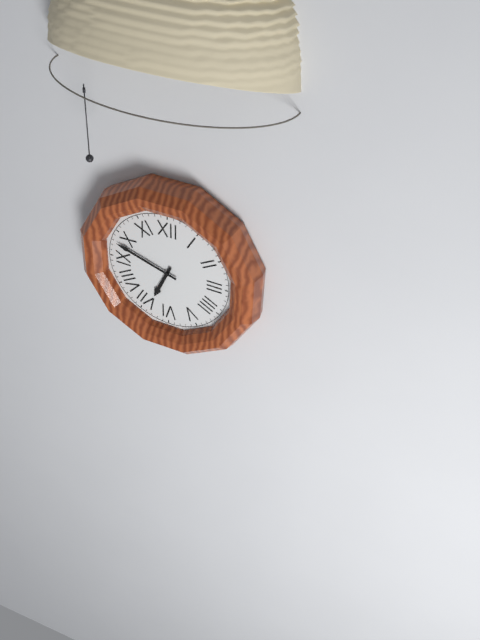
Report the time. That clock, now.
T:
6:48
